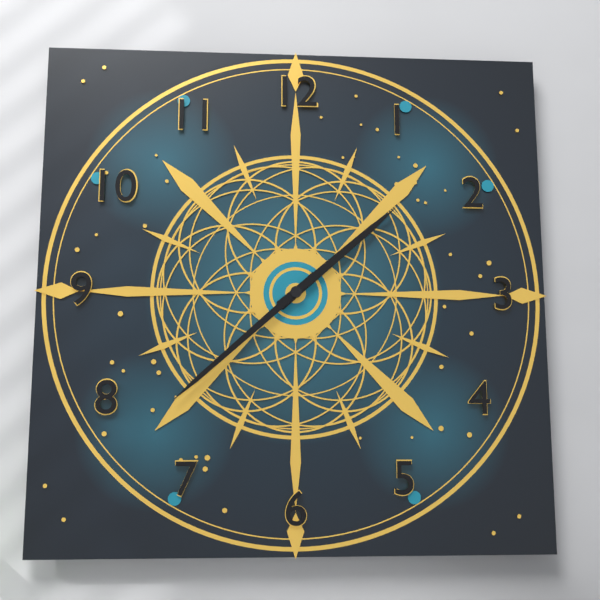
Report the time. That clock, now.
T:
1:38
